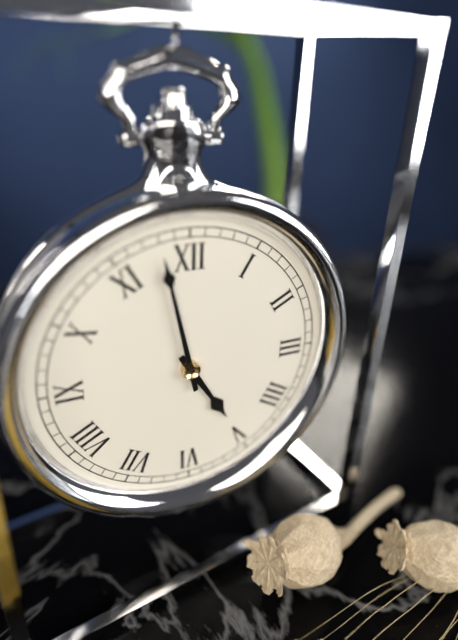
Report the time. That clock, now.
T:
4:58
